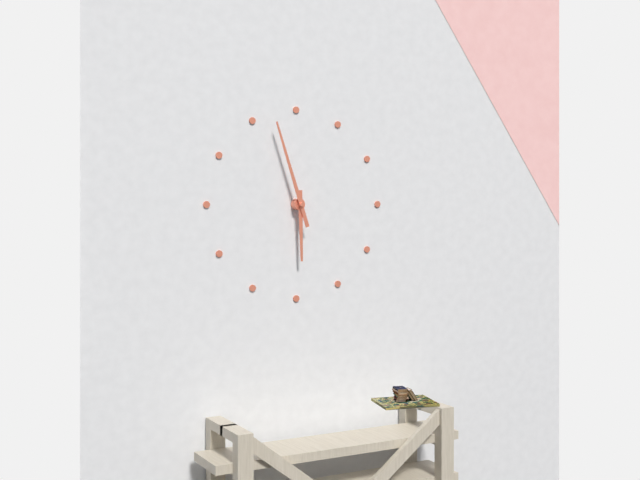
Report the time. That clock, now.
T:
5:57
